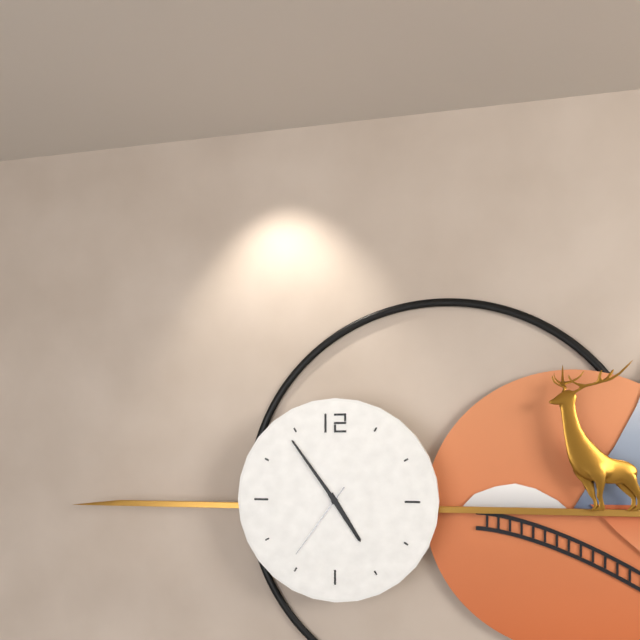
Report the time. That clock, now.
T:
4:54:36
